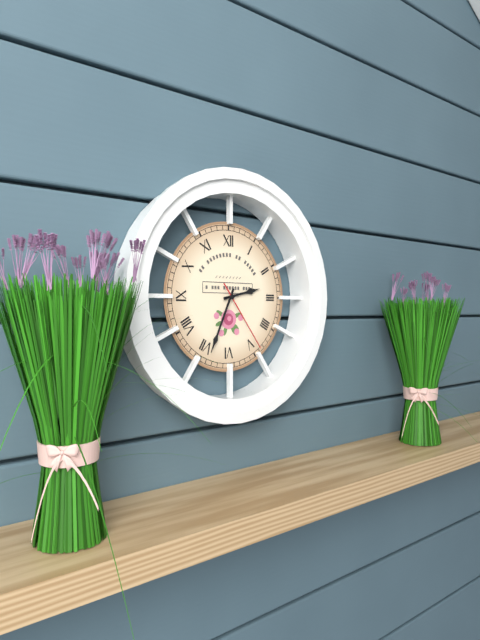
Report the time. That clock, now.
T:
2:34:24
